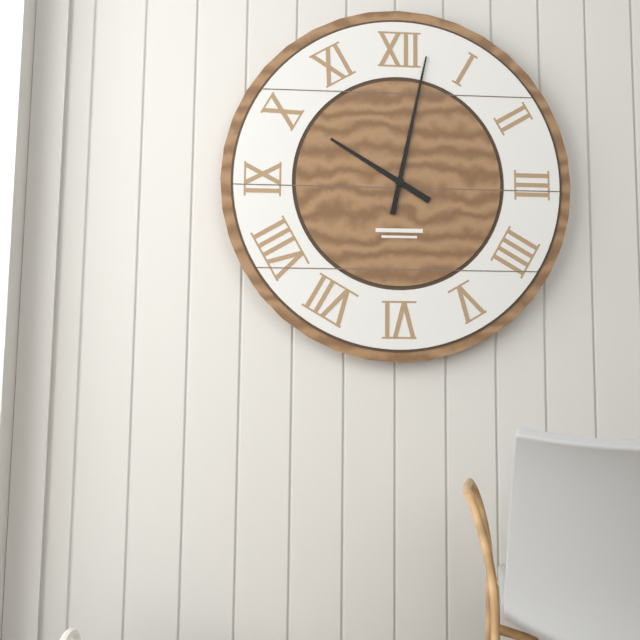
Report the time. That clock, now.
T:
10:02
